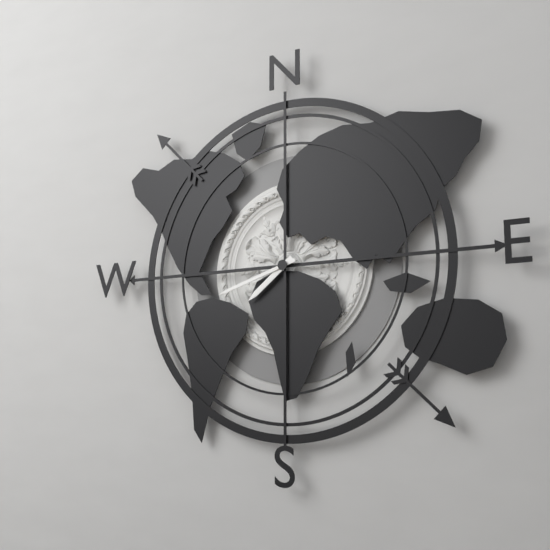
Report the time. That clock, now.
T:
7:42
